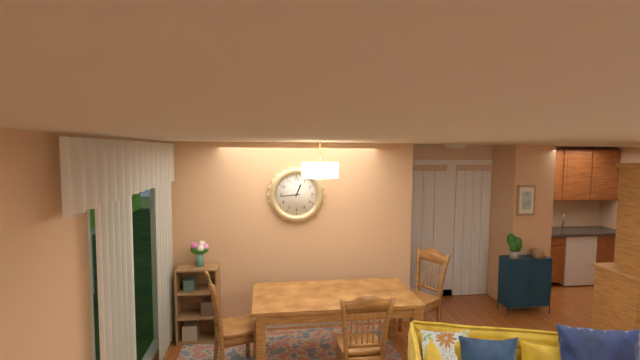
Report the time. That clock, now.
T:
12:44
